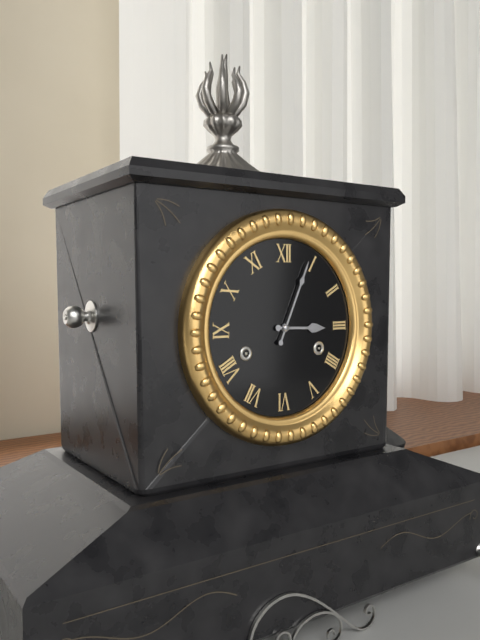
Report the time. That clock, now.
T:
3:04
